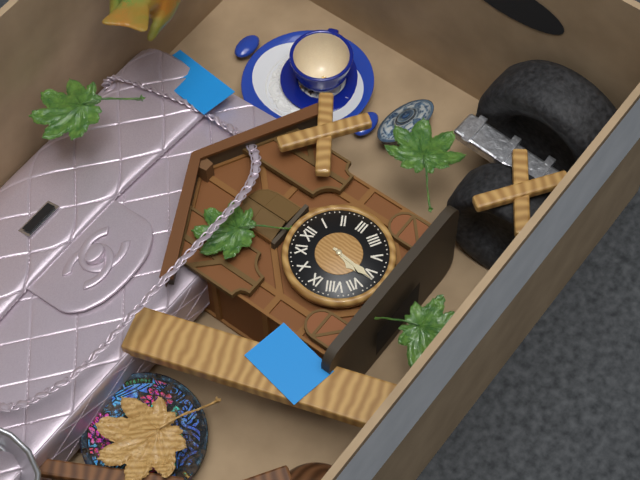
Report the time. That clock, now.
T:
6:31
